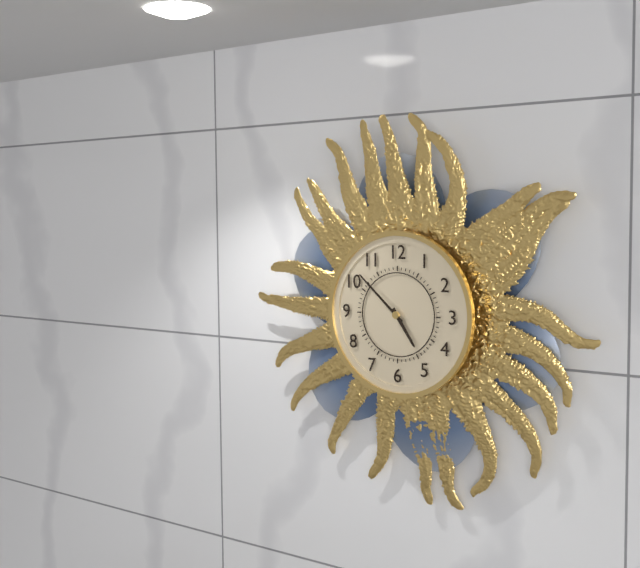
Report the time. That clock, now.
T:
4:52
